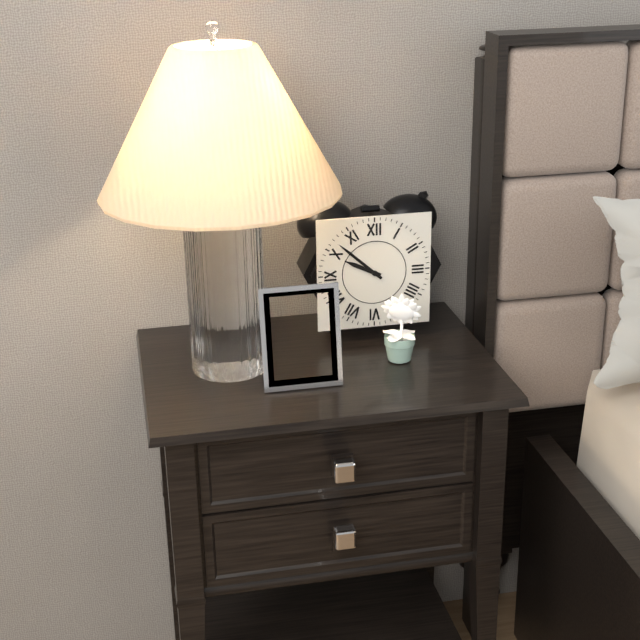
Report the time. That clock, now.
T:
9:52
